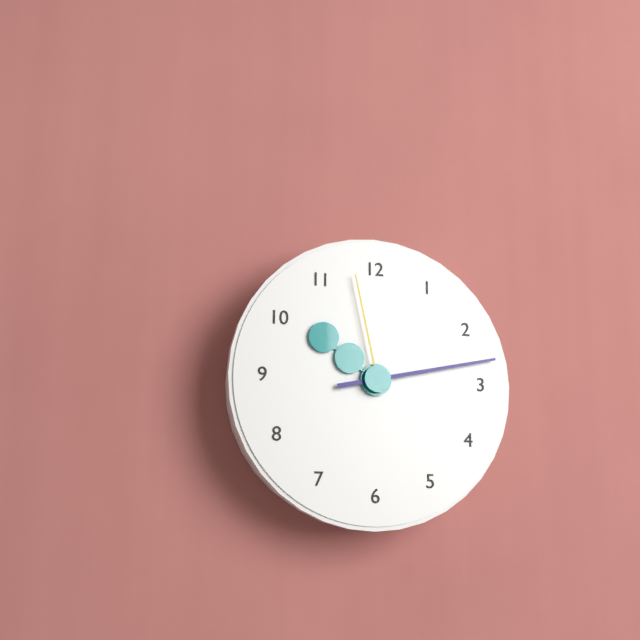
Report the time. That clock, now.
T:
10:13:58
